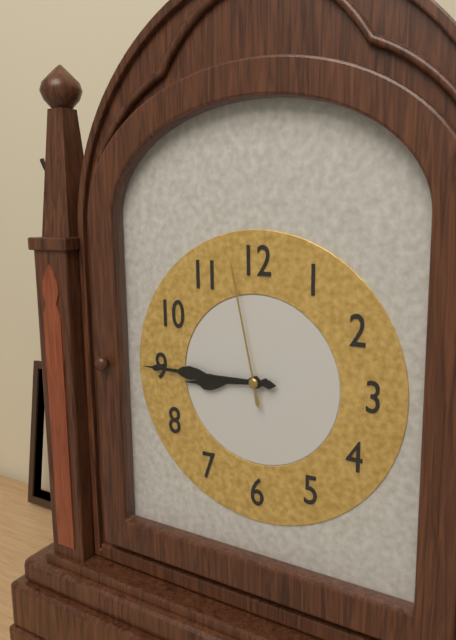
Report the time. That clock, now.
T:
8:45:58
